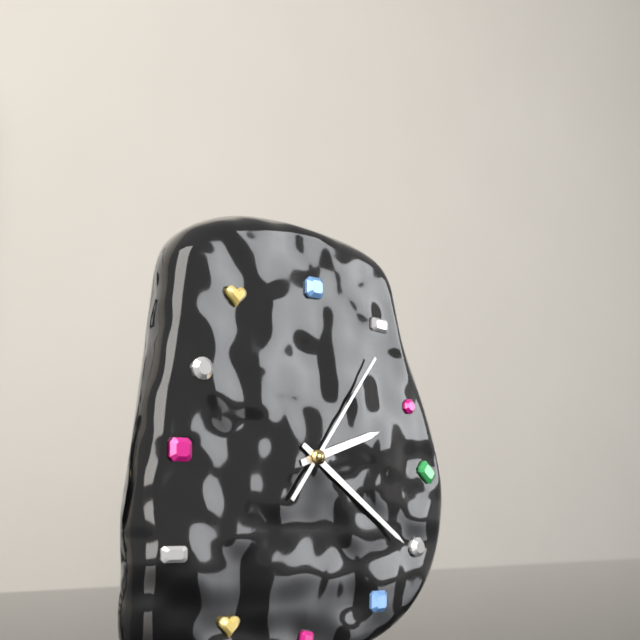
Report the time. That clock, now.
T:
2:21:06
